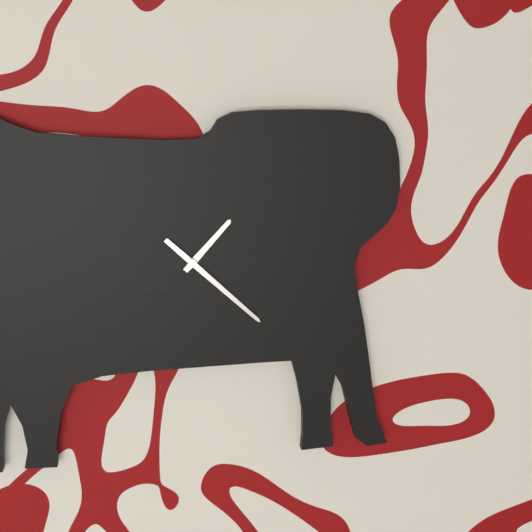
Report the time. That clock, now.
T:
1:22
